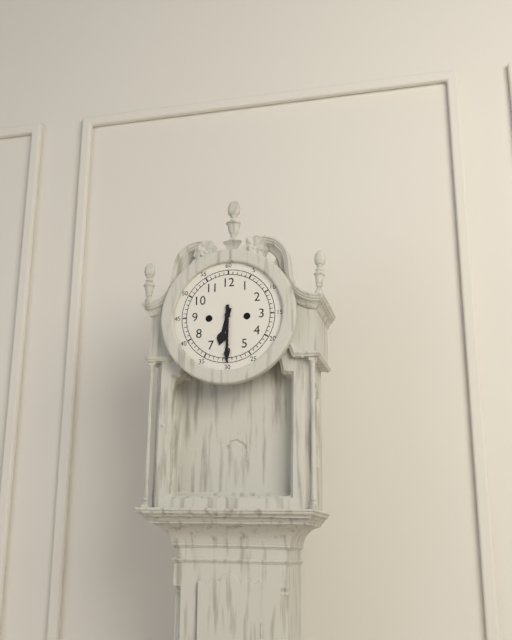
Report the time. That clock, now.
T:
6:30
